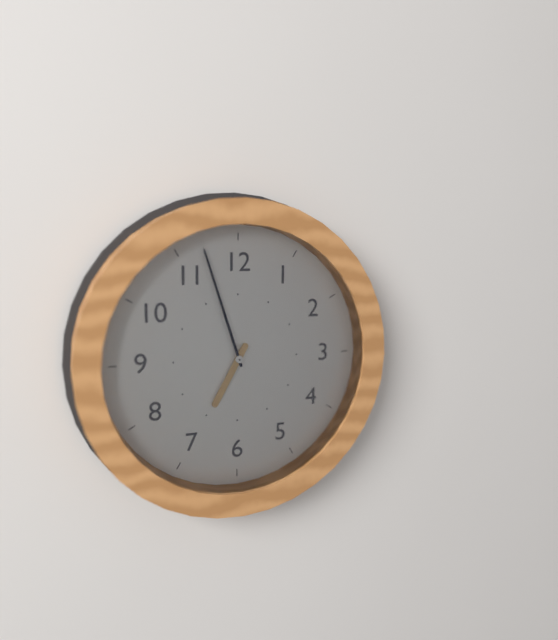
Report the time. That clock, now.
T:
6:57
